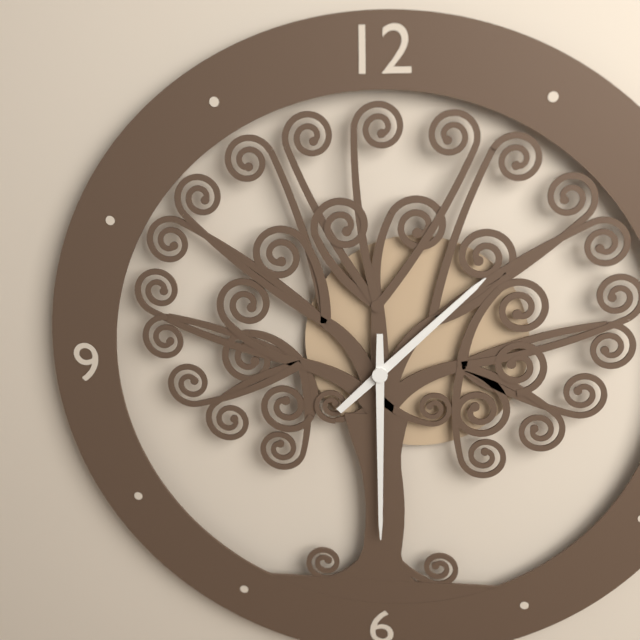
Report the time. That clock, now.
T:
1:30
